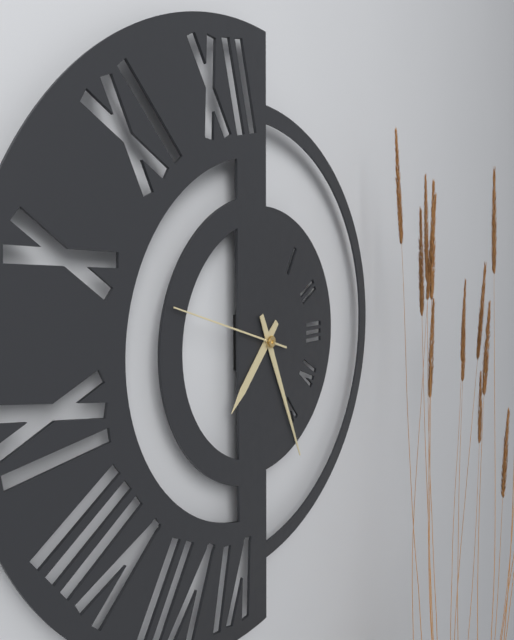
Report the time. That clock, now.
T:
7:26:48
